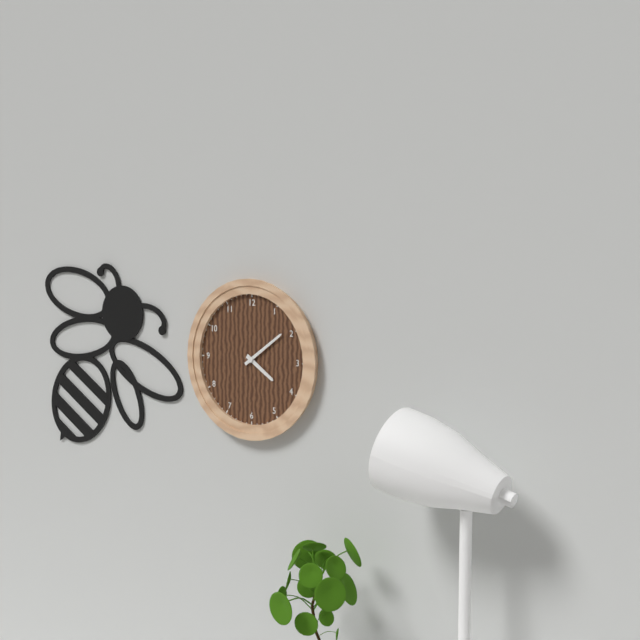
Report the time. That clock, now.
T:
4:09
